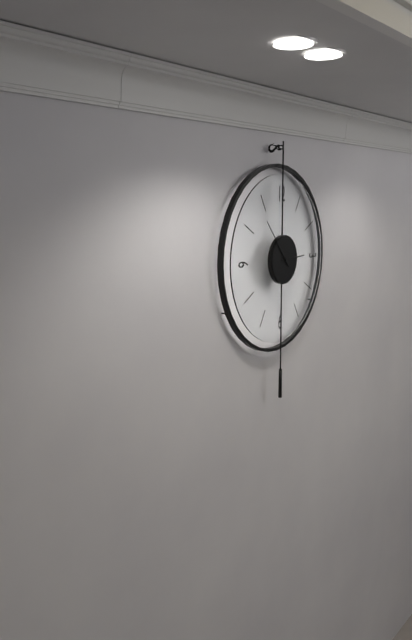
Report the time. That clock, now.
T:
2:53
